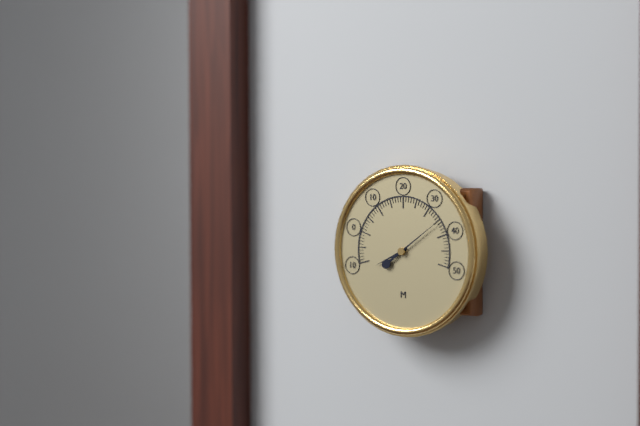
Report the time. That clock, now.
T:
8:09
